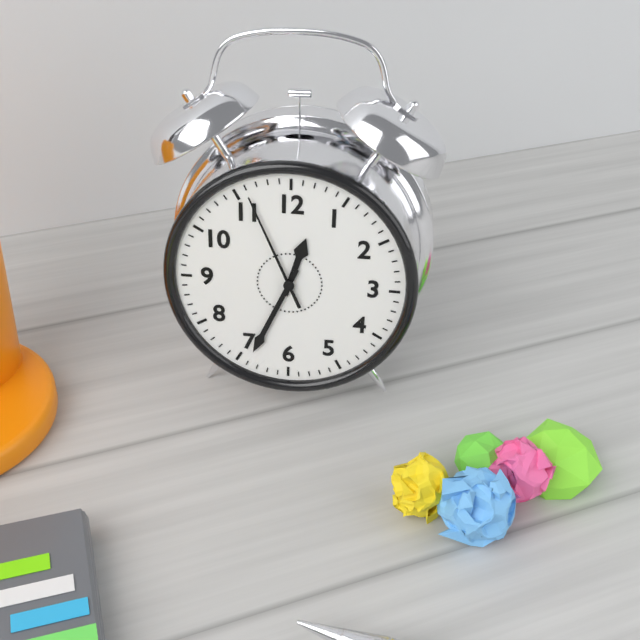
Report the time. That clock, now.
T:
12:34:56
